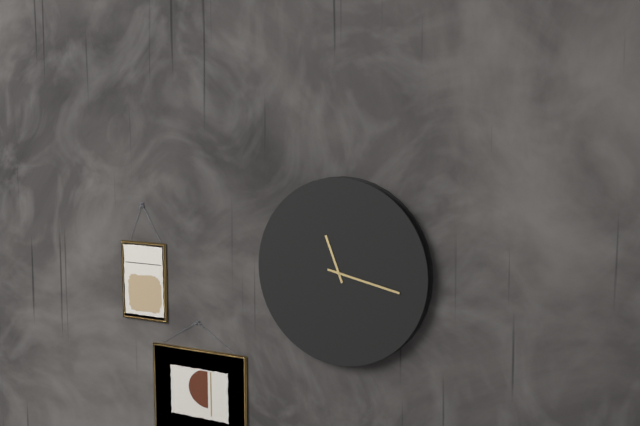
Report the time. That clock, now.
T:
11:17
